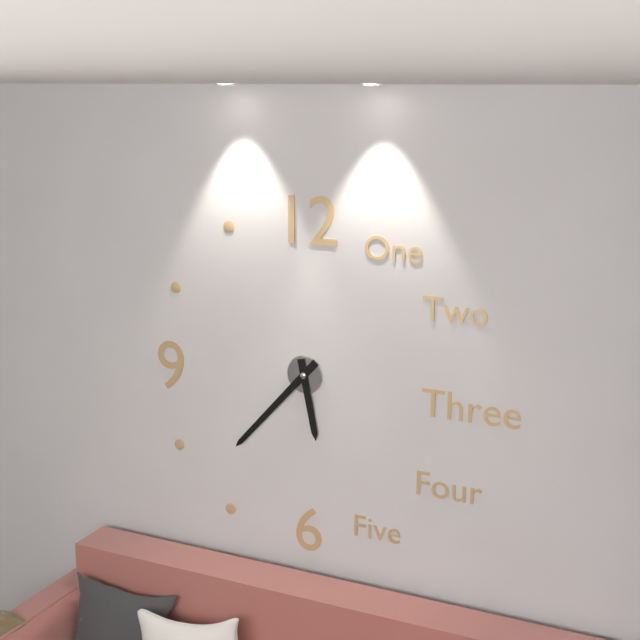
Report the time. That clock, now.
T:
5:37
